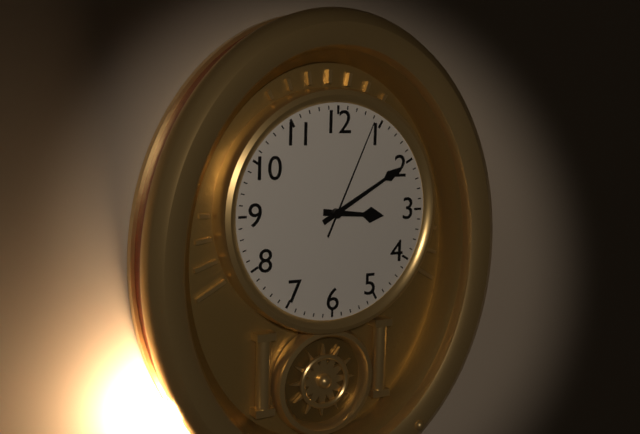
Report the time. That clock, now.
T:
3:10:04
